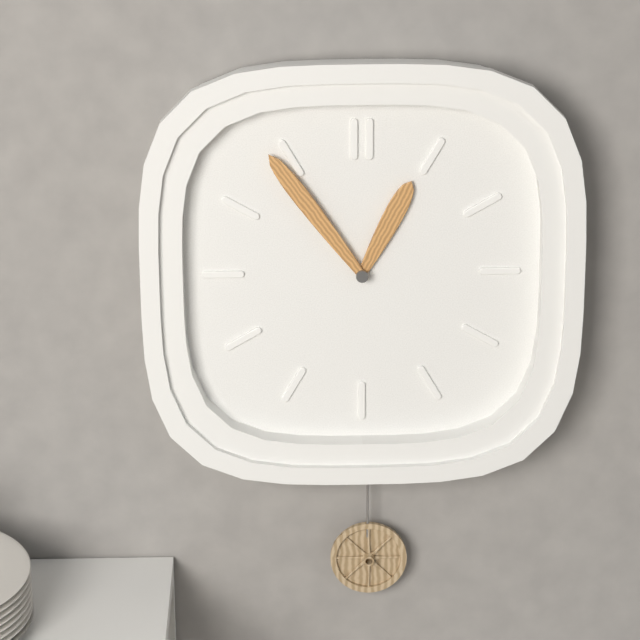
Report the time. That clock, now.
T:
12:54
